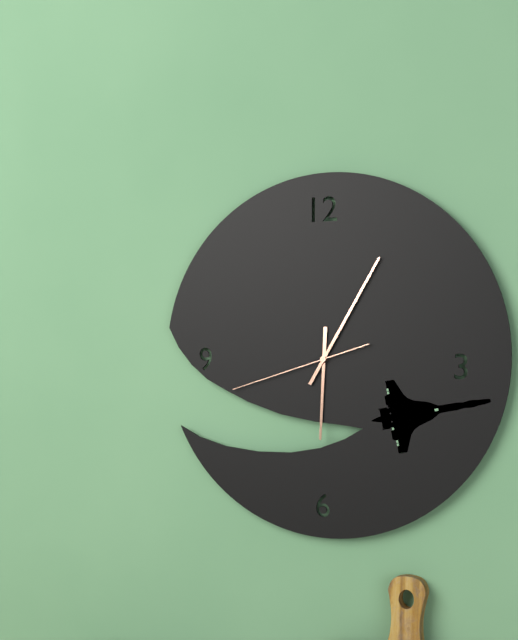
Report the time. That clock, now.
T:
6:05:42
